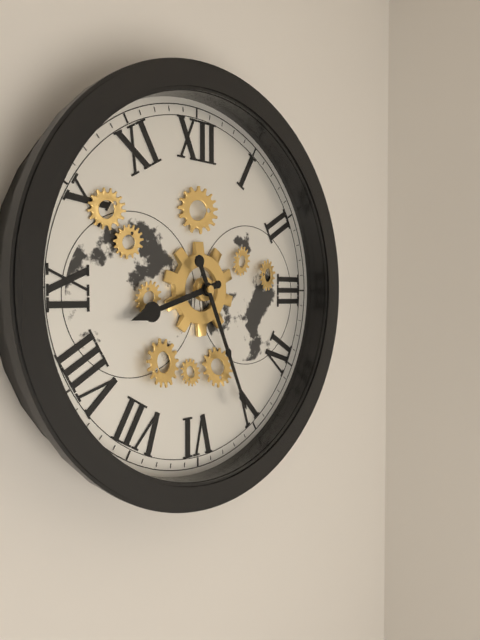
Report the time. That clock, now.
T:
8:26
